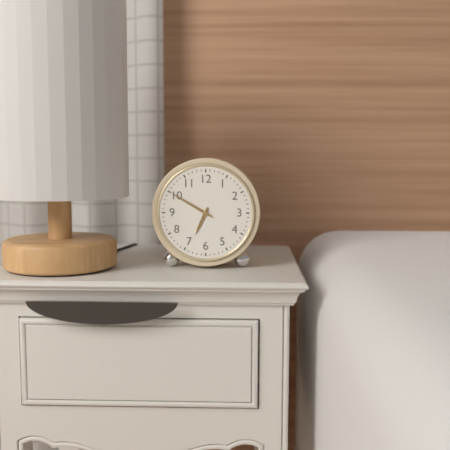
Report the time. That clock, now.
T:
6:50
